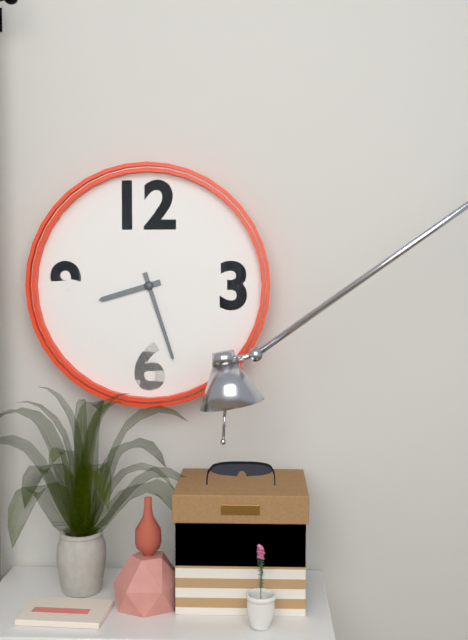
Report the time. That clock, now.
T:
8:27
